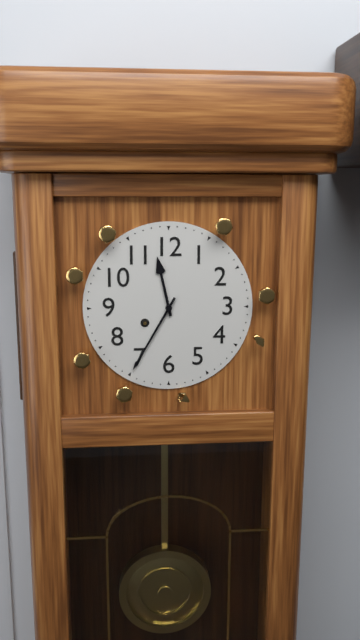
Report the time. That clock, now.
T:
11:35
